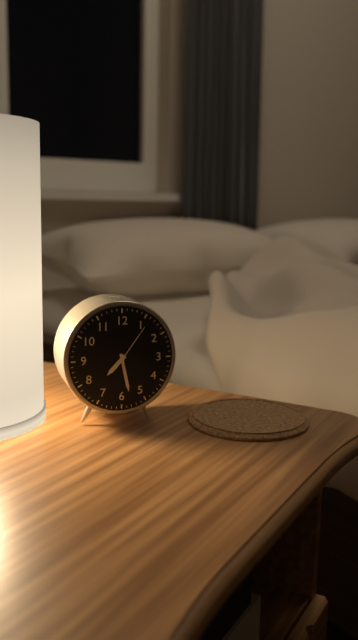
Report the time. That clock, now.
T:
7:28
